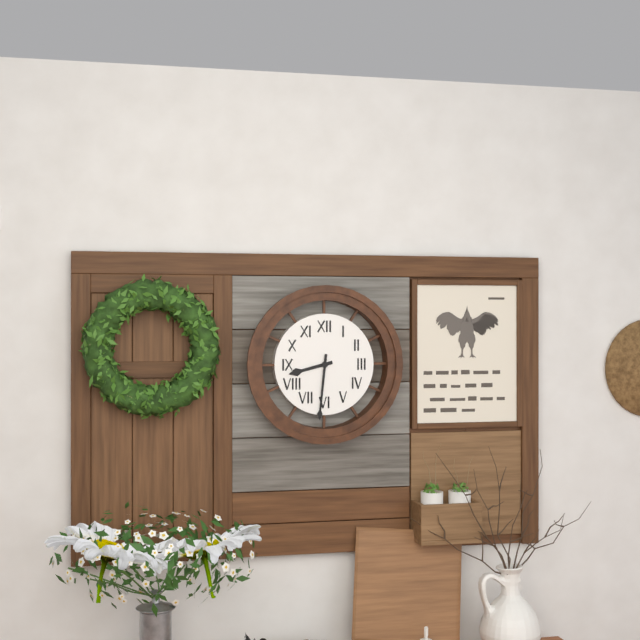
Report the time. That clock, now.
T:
8:31
